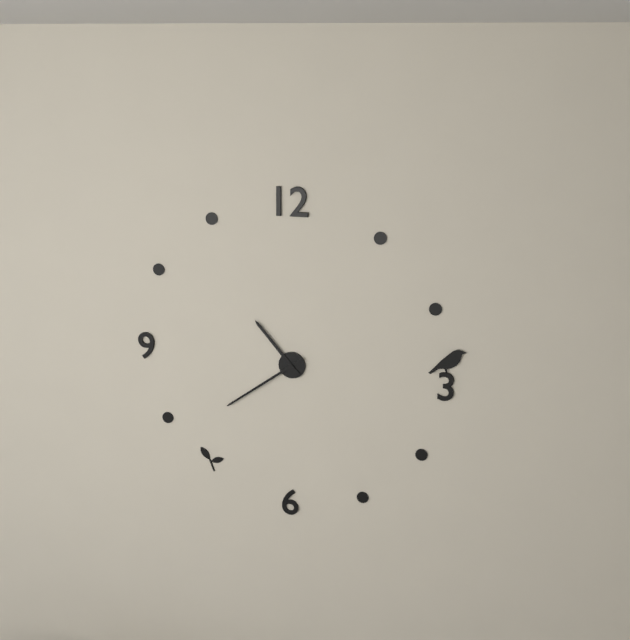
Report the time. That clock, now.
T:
10:39
